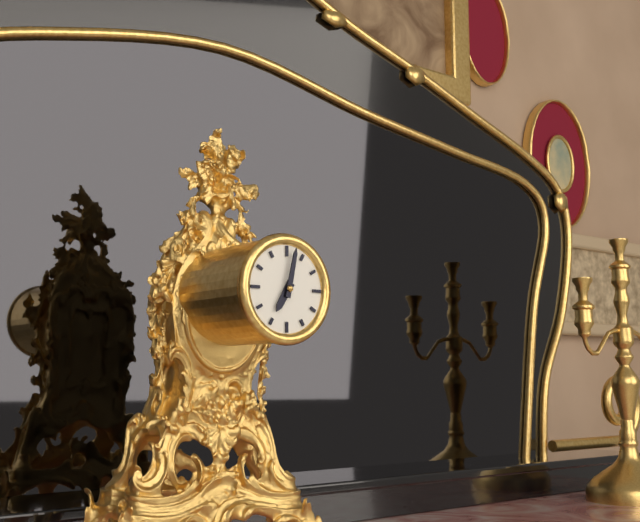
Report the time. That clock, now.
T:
7:02
